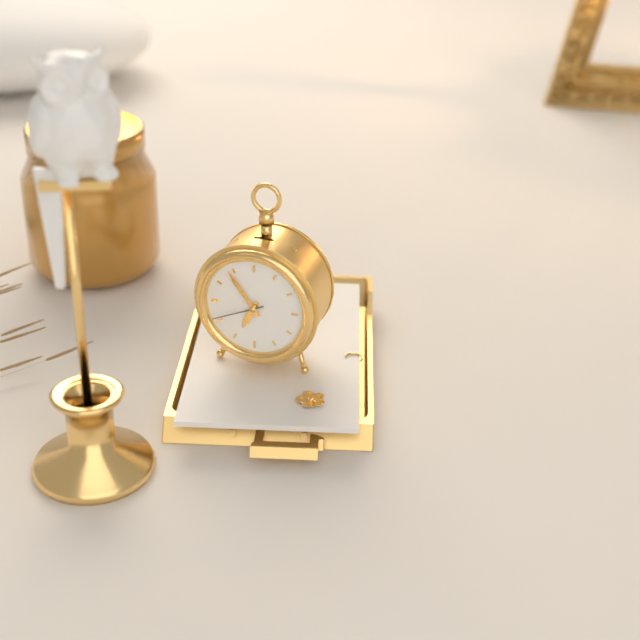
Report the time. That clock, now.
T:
6:54:41
